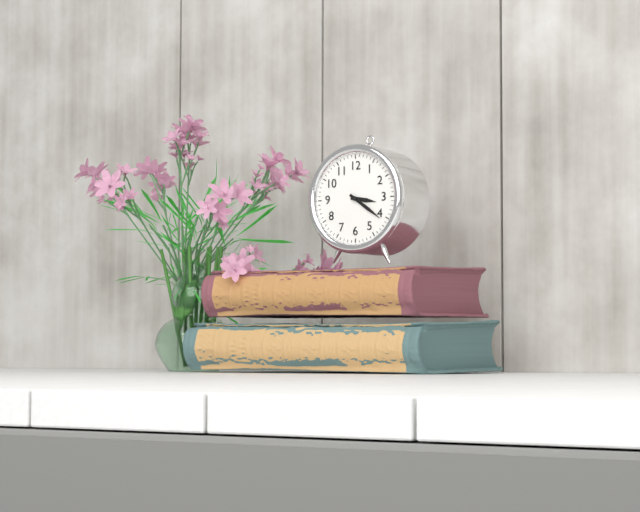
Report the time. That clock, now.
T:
3:21
